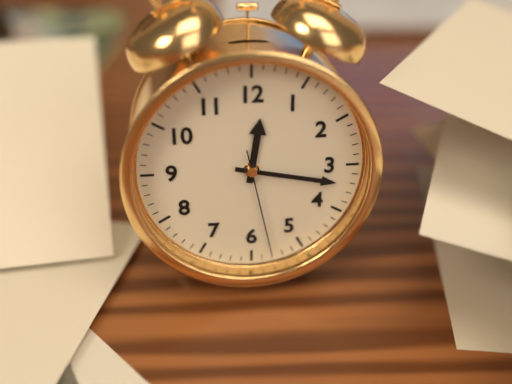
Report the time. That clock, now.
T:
12:17:28
